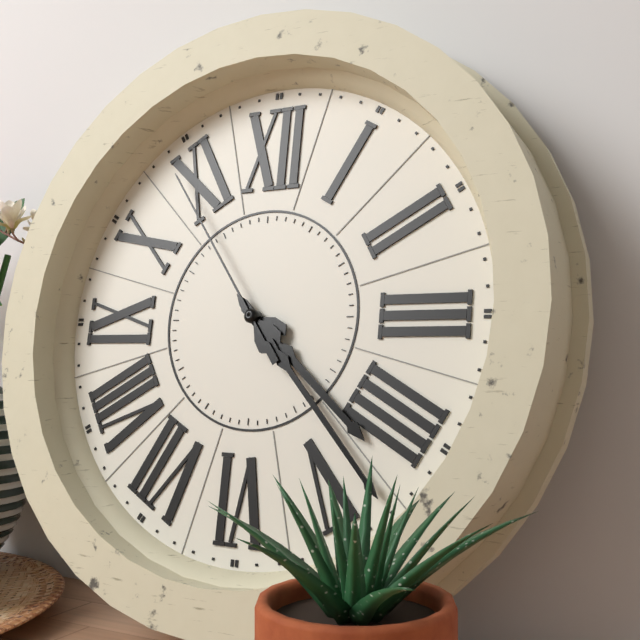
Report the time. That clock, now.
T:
4:23:54
